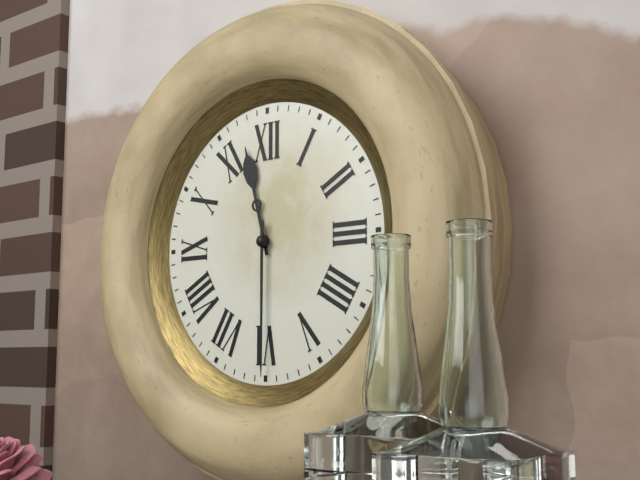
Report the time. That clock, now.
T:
11:30
